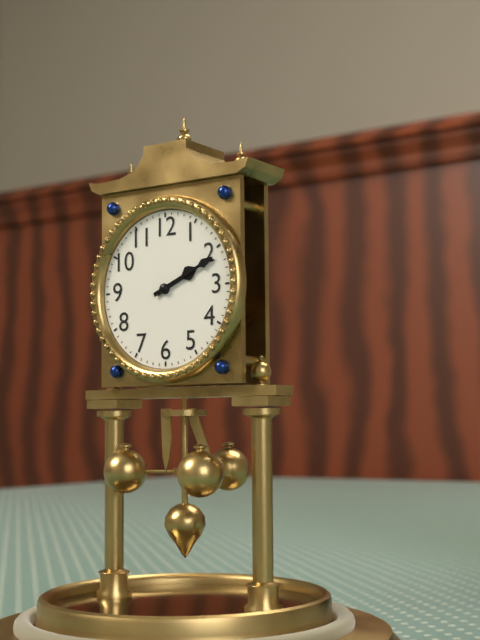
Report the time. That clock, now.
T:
2:11
